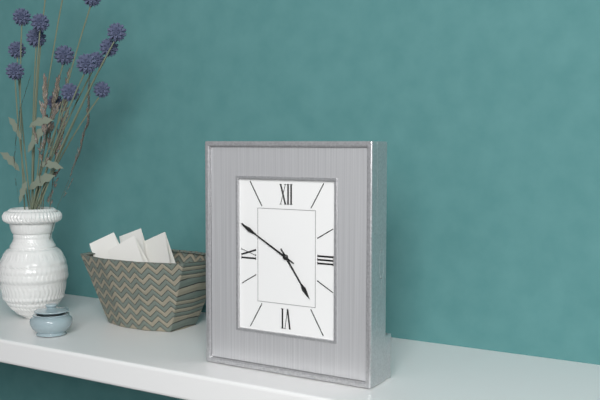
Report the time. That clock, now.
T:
4:50
